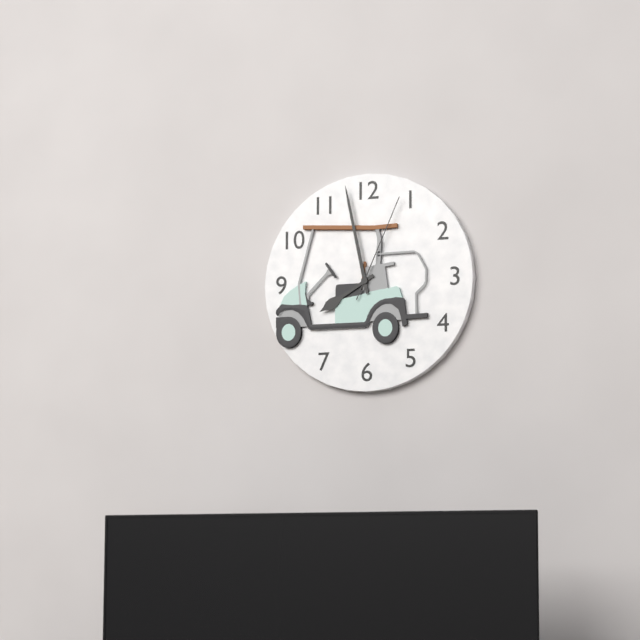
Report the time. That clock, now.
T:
7:58:04
